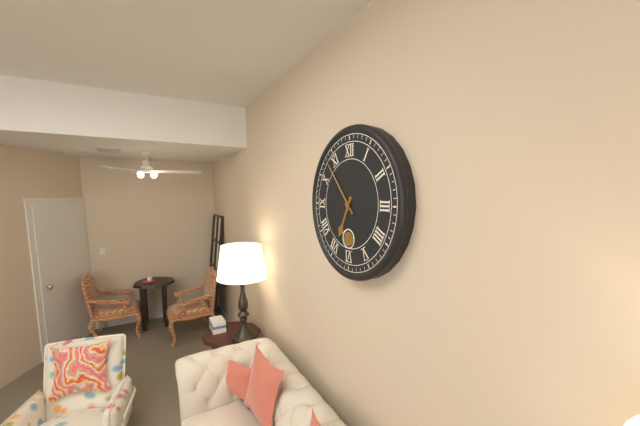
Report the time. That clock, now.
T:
6:53
